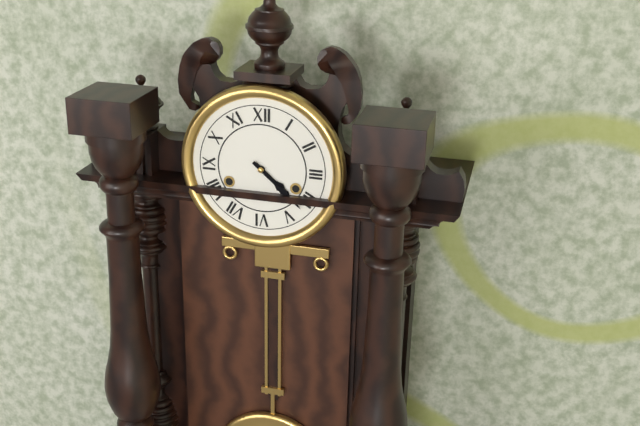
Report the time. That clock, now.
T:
4:22
